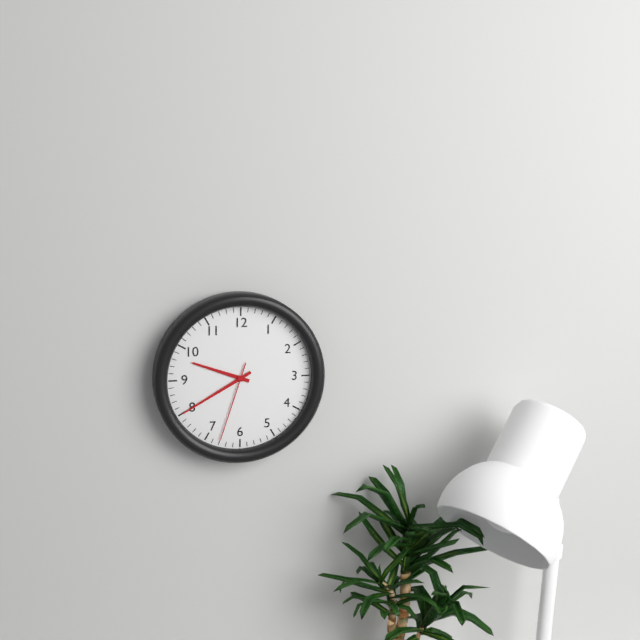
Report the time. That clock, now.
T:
9:40:33
